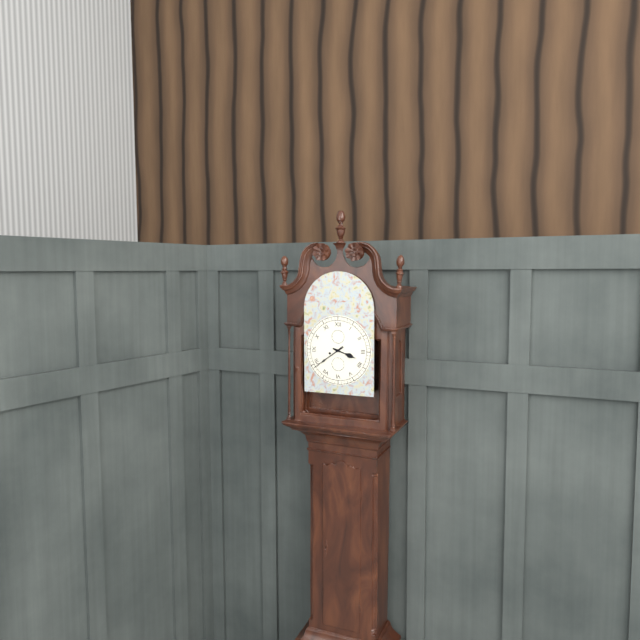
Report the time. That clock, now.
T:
3:39
